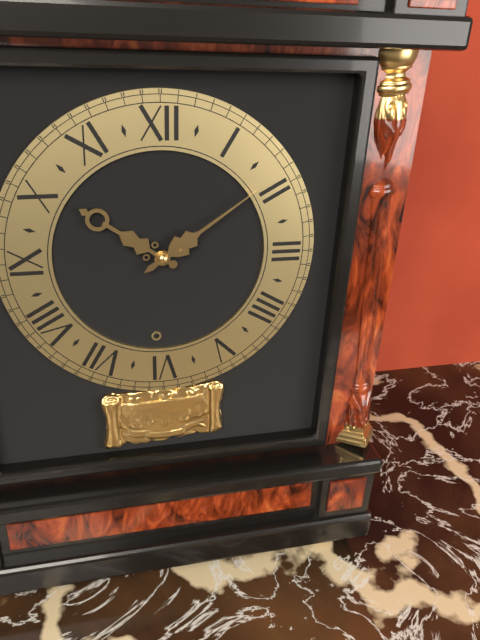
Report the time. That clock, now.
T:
10:09
